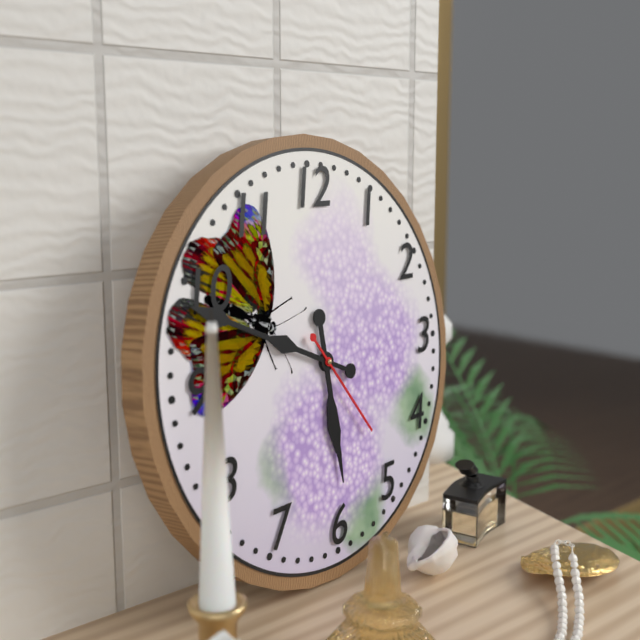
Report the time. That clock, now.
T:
5:49:24
